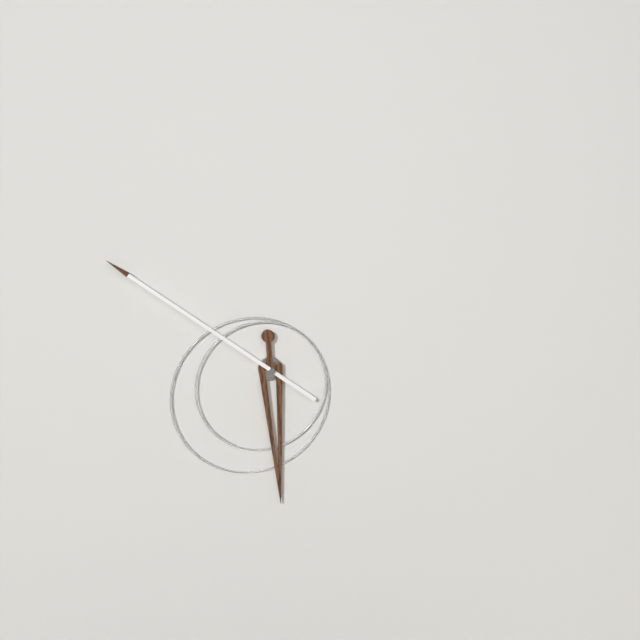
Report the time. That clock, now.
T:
5:51
